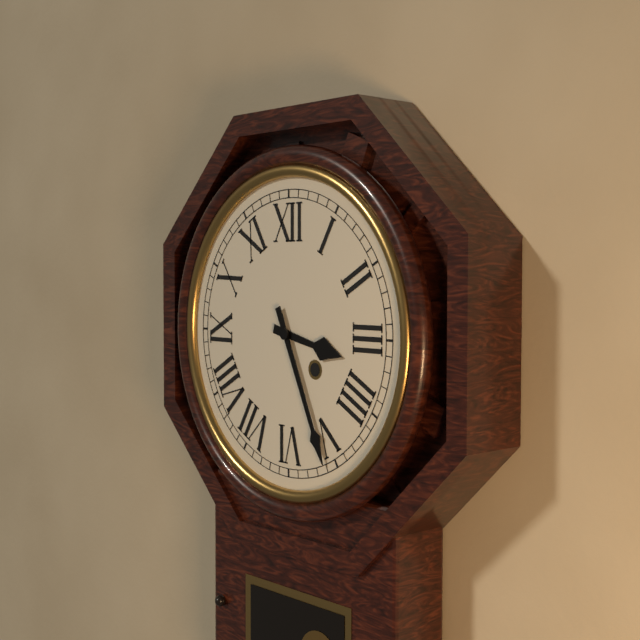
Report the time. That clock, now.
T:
3:26
